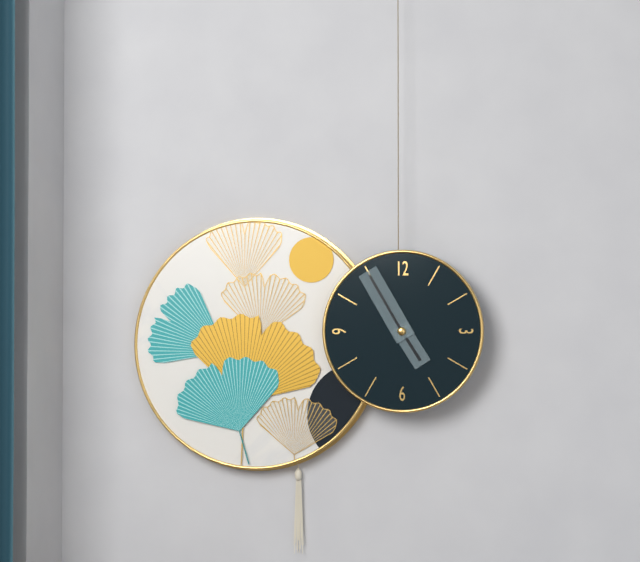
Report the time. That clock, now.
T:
4:55
